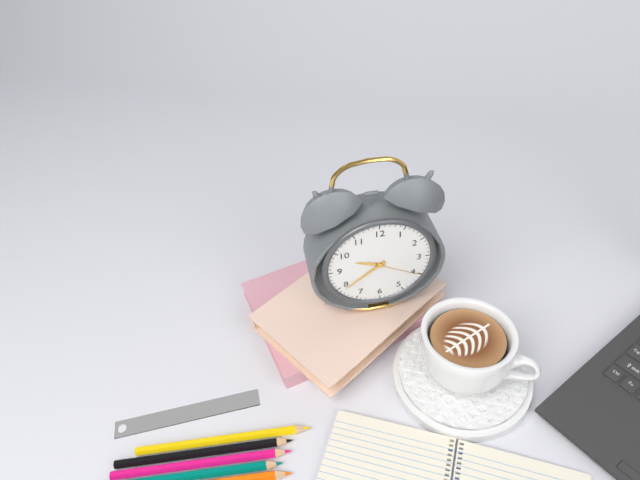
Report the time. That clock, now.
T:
9:39:20
